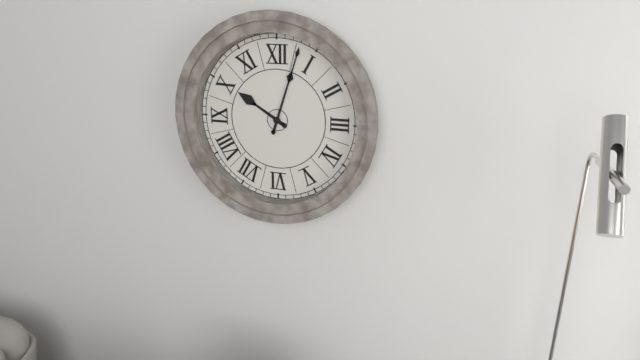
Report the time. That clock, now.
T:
10:03
